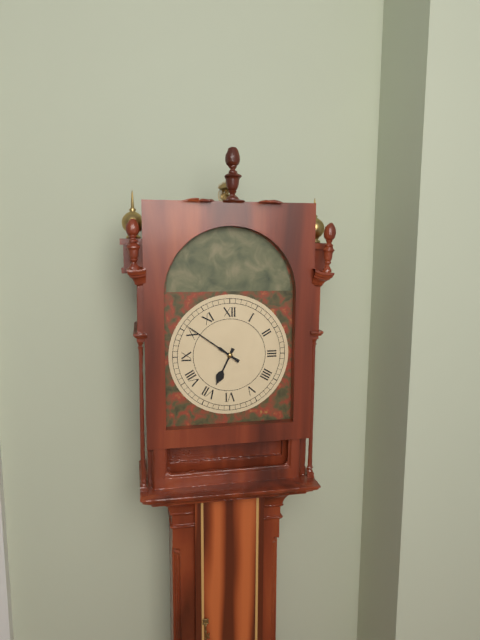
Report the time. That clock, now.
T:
6:51
